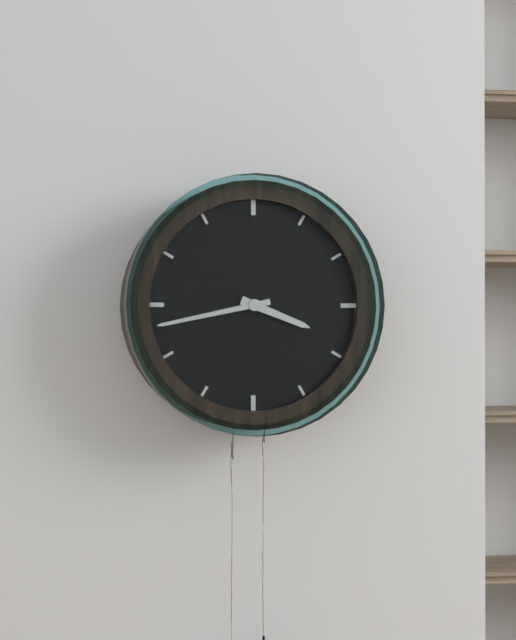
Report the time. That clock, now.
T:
3:43
